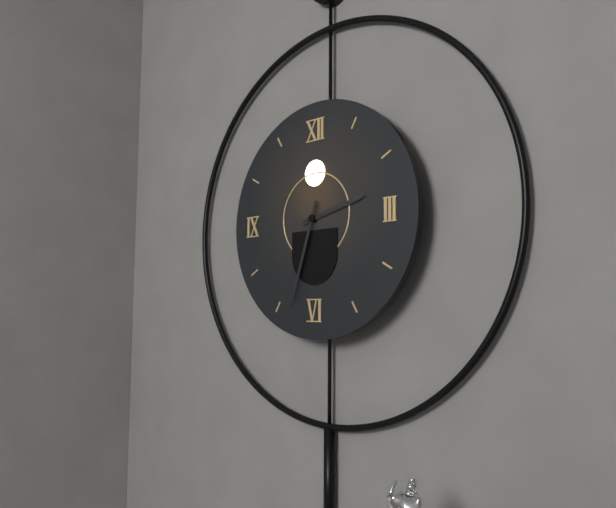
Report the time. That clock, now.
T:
2:33
